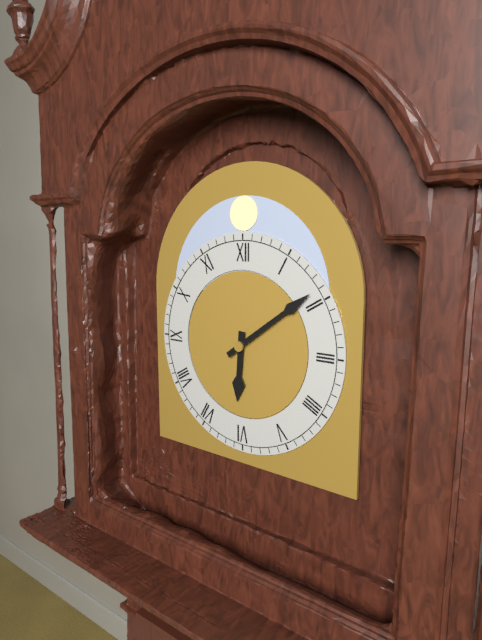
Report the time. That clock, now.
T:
6:09
